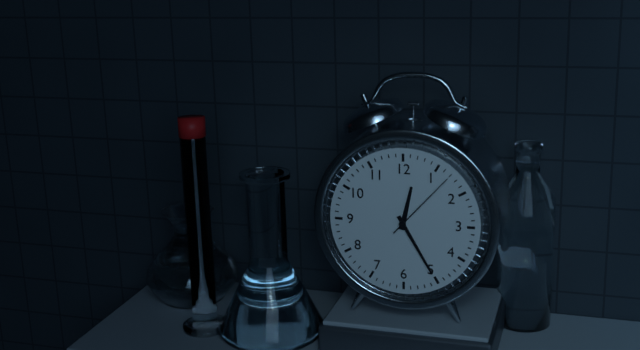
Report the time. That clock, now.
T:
12:25:07
